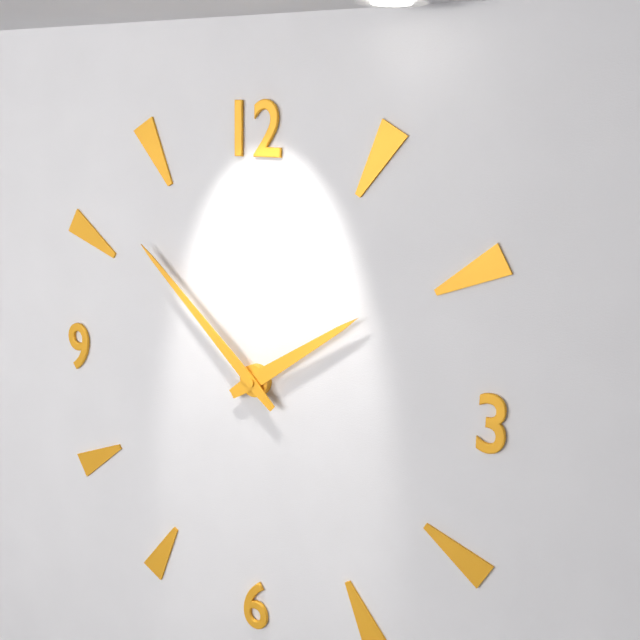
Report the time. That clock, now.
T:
1:52
